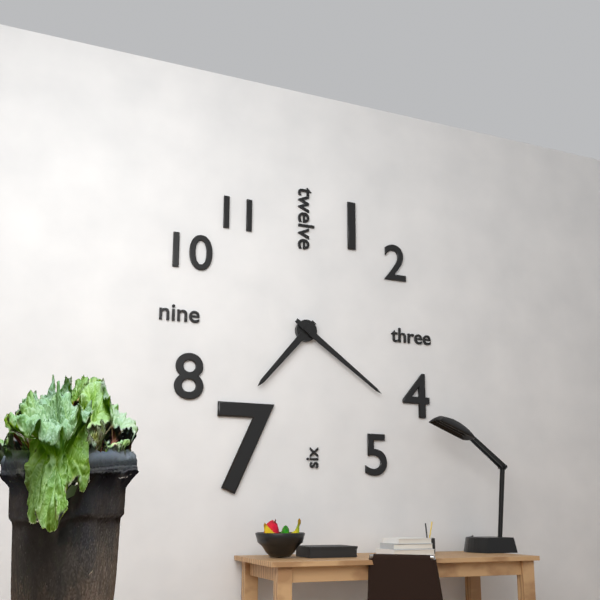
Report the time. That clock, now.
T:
7:21
